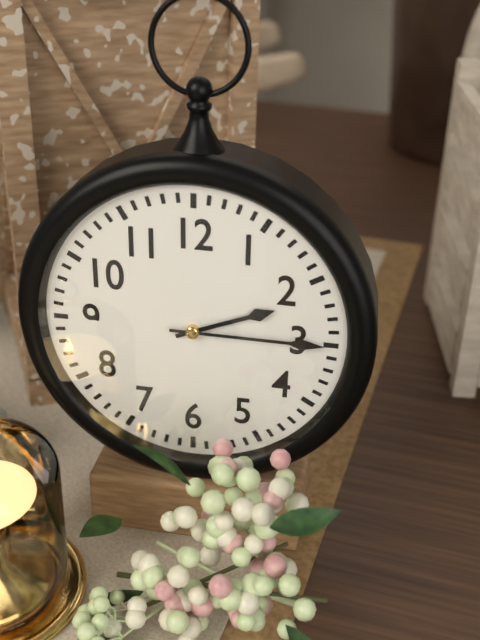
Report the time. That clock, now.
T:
2:15
